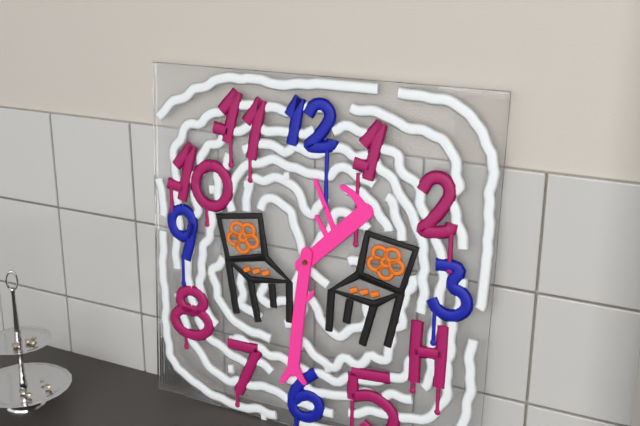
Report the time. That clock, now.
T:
1:31
